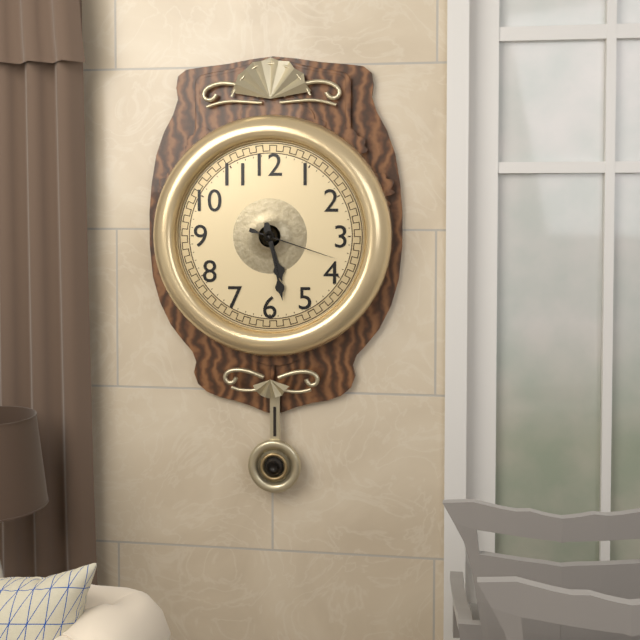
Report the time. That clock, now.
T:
5:28:18
